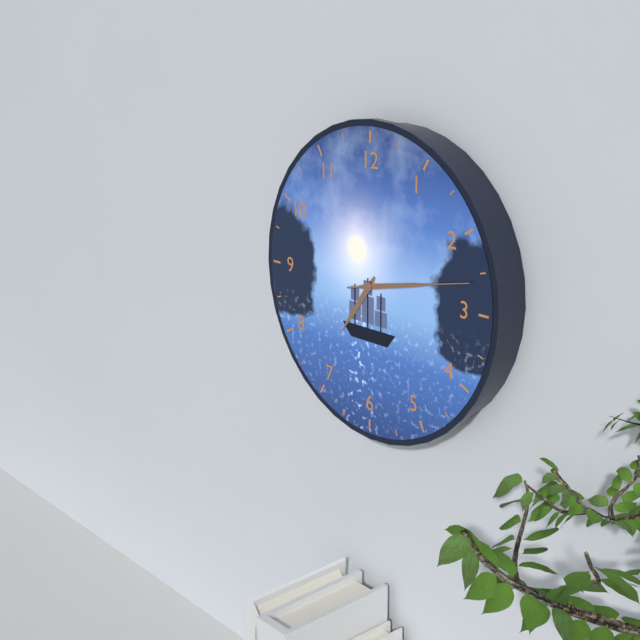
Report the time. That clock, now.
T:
7:13:13
